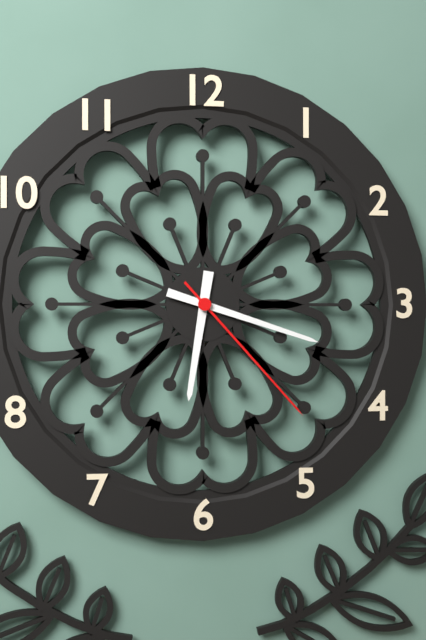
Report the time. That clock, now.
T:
6:18:23
